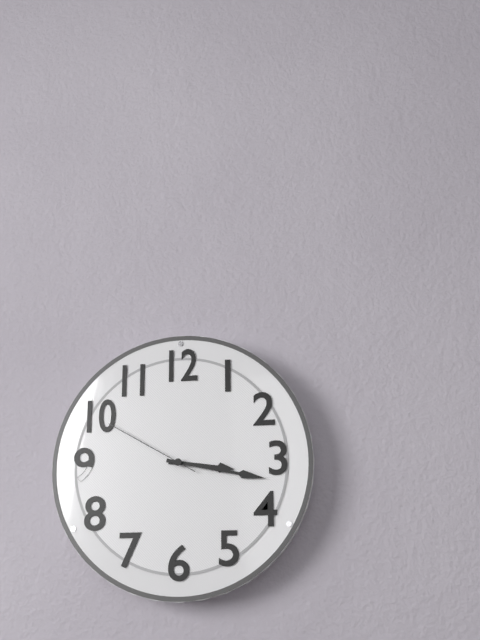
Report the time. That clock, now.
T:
3:17:50
